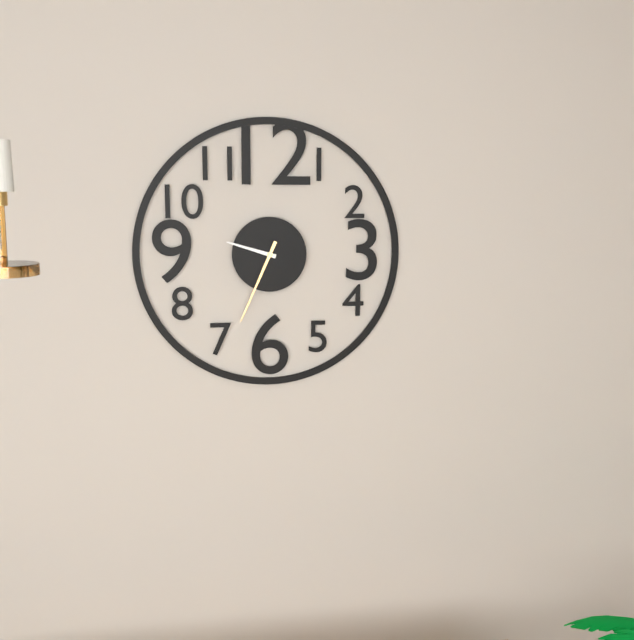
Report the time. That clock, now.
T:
9:34
